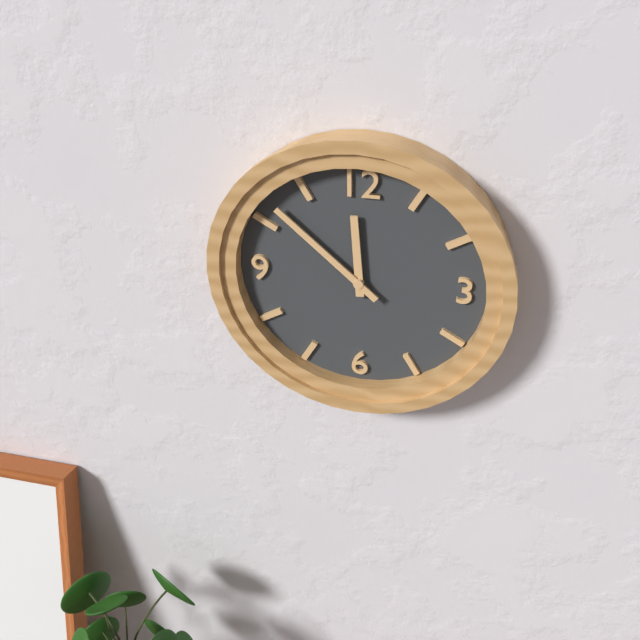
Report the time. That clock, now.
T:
11:52
